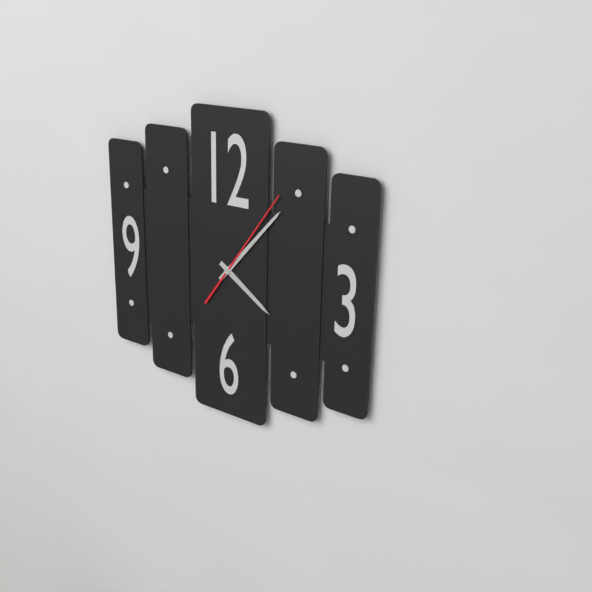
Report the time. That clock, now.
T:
4:07:06
